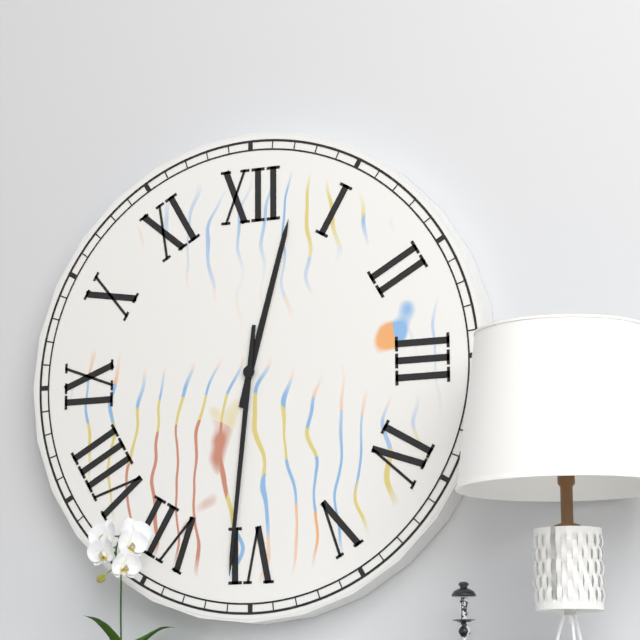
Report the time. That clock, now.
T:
12:31
